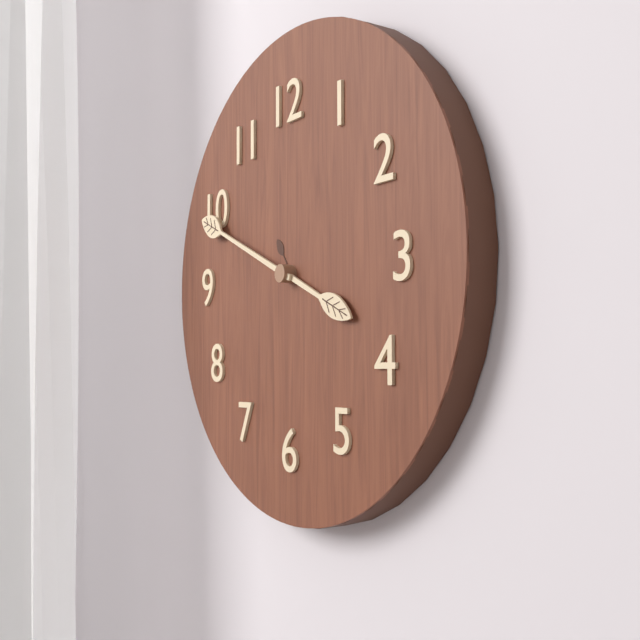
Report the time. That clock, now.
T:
3:49
